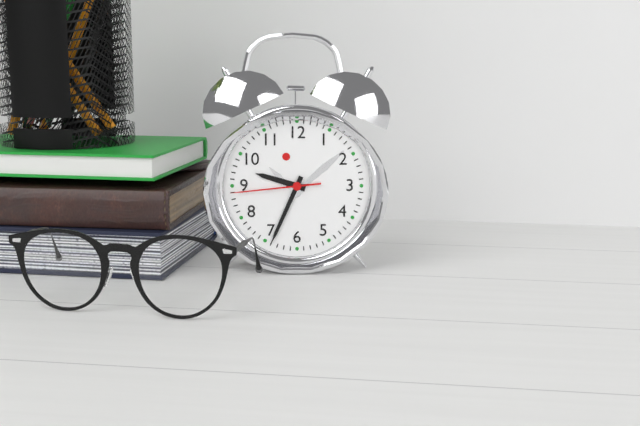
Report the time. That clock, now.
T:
9:34:44
